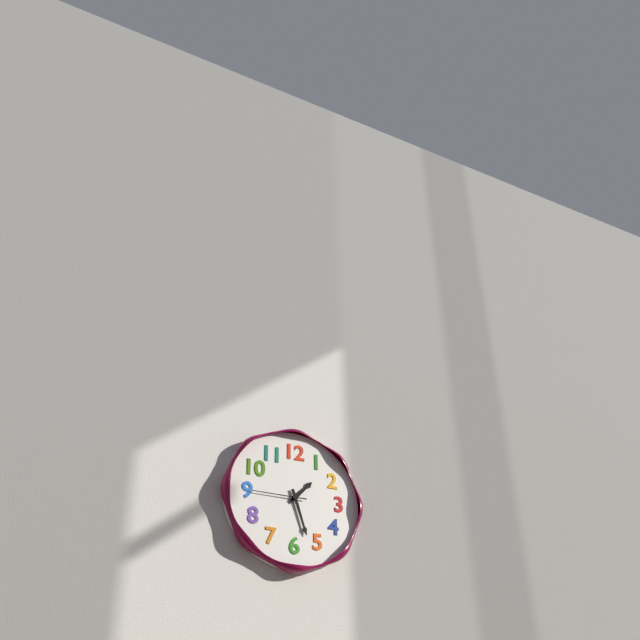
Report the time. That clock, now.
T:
1:27:45
